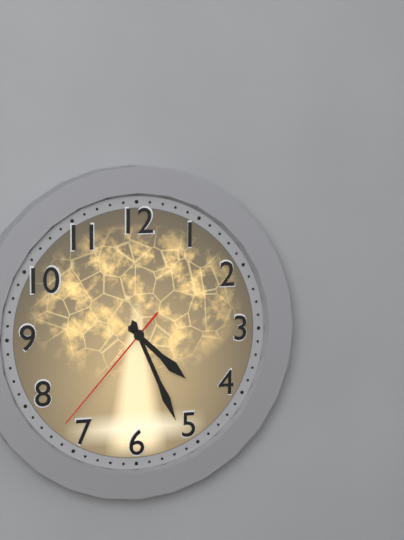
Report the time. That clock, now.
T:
4:26:37
